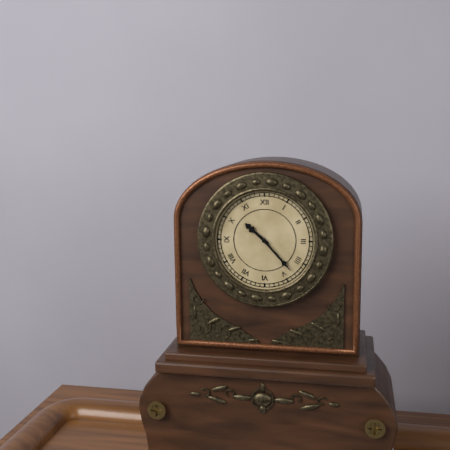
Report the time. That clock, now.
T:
10:23
